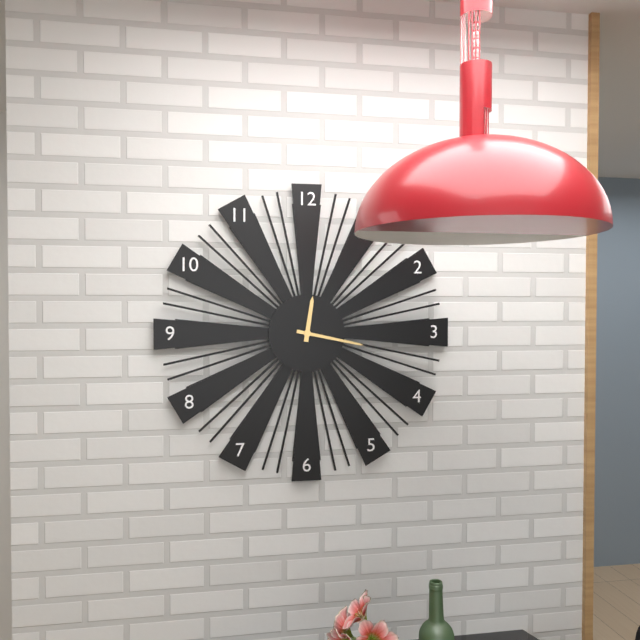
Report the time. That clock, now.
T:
12:17
